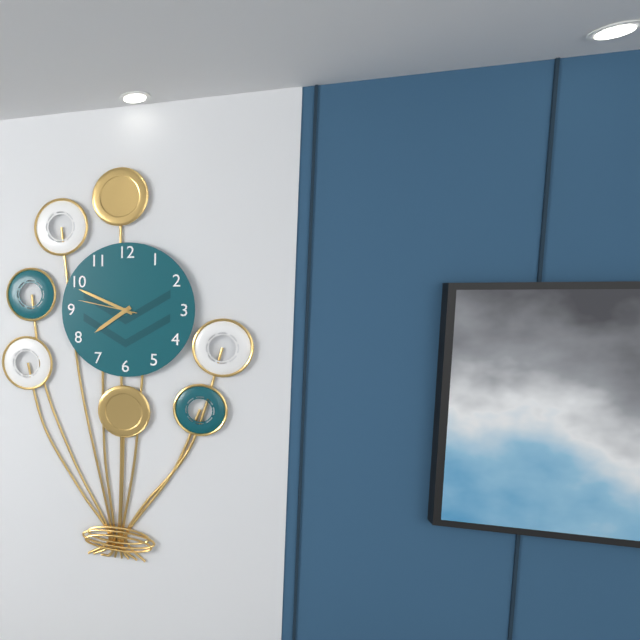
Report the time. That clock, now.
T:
7:49:47
